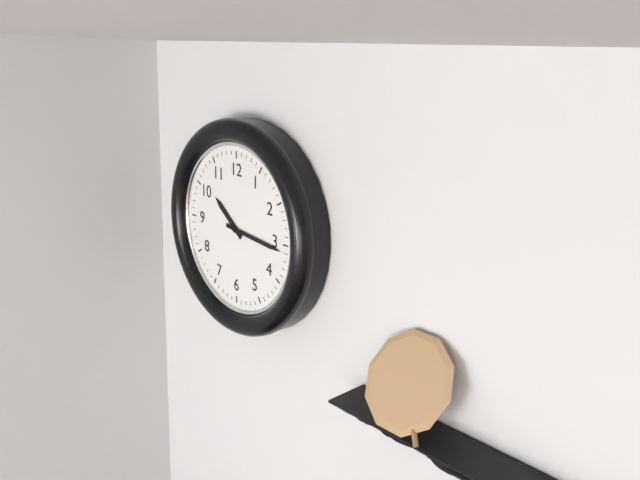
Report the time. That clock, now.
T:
10:16
